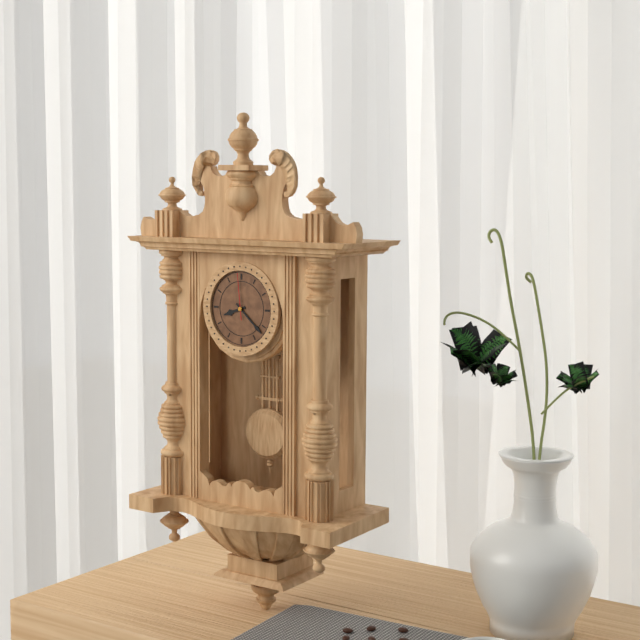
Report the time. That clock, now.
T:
8:22
